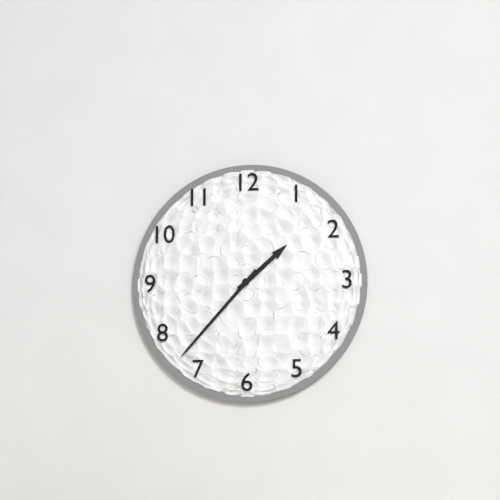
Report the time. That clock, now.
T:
1:37
